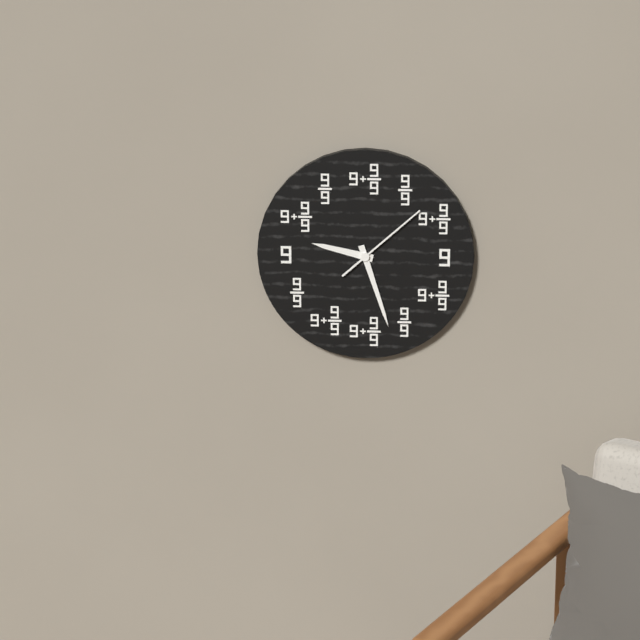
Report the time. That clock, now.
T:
9:27:08
